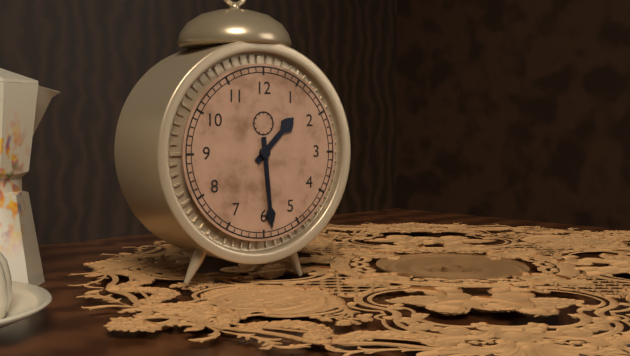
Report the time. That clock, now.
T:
1:29
